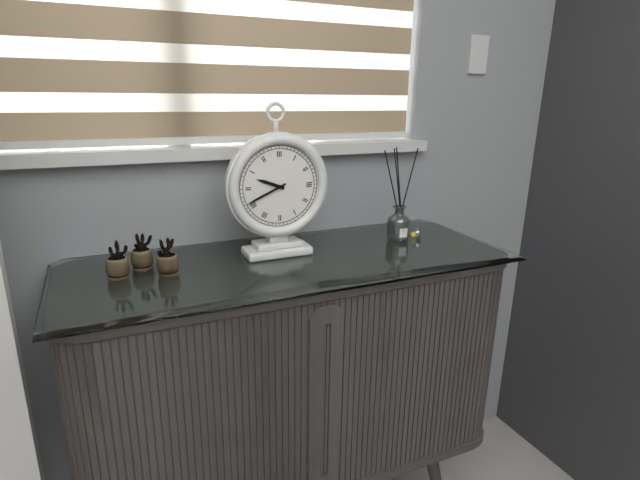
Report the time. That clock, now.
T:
9:41
